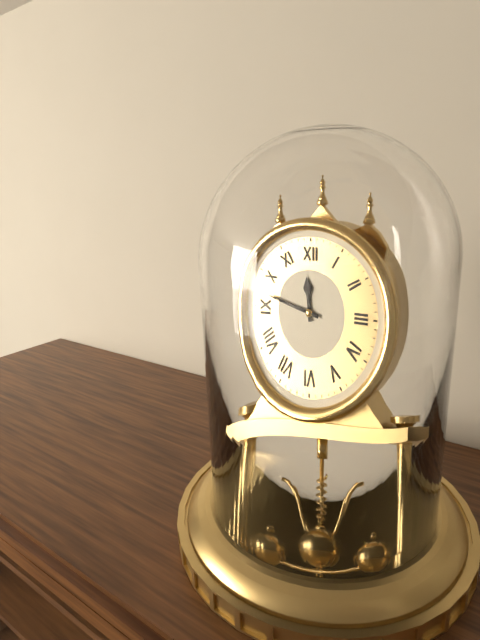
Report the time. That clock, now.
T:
11:47
